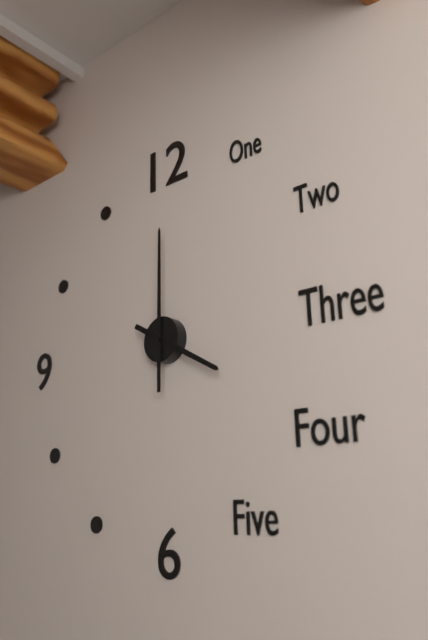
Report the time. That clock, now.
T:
4:00
